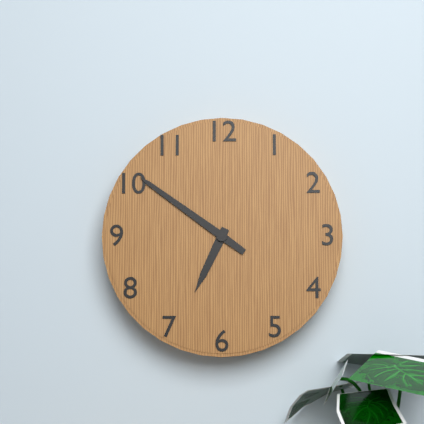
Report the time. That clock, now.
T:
6:51
